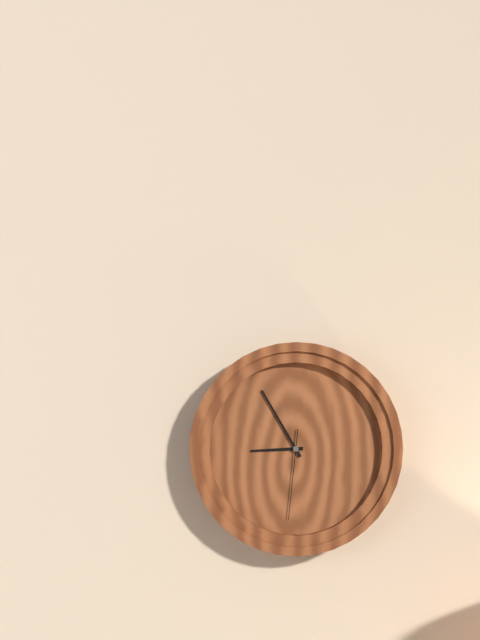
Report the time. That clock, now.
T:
8:55:31
